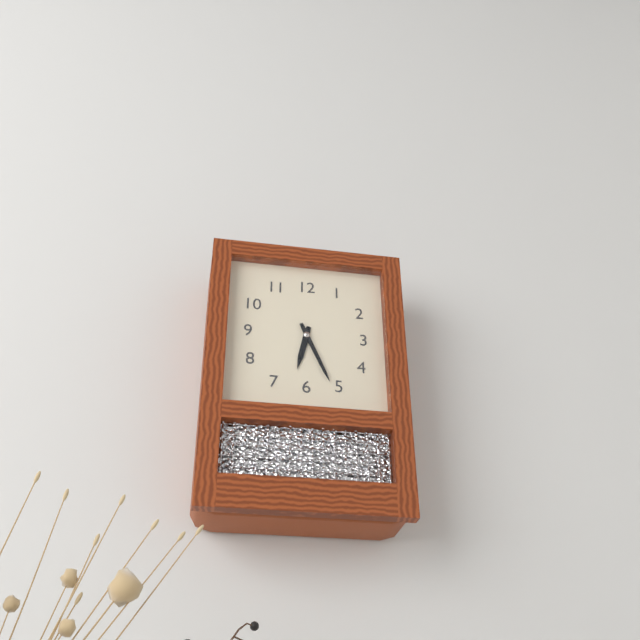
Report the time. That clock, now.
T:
6:26
